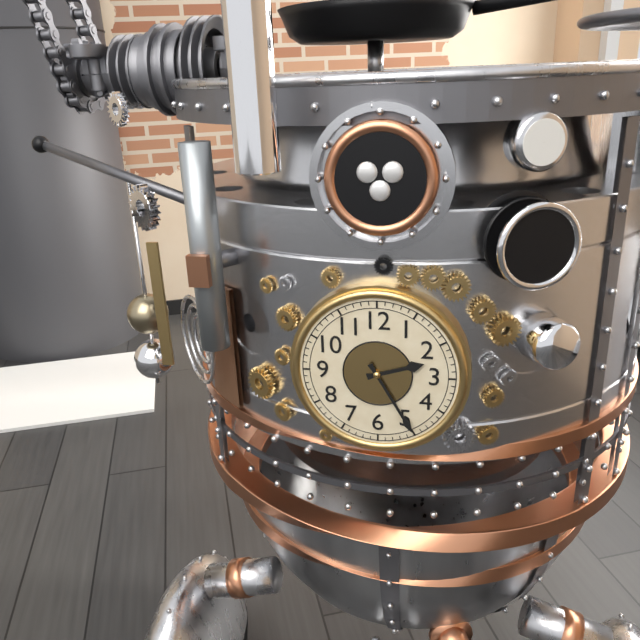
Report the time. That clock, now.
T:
2:25
